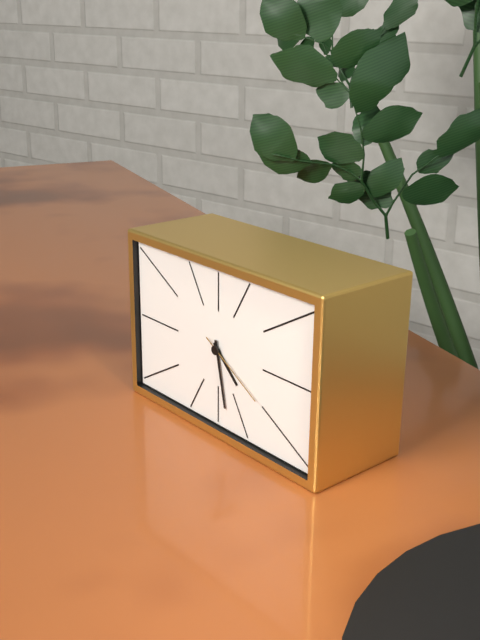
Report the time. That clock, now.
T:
4:28:20
